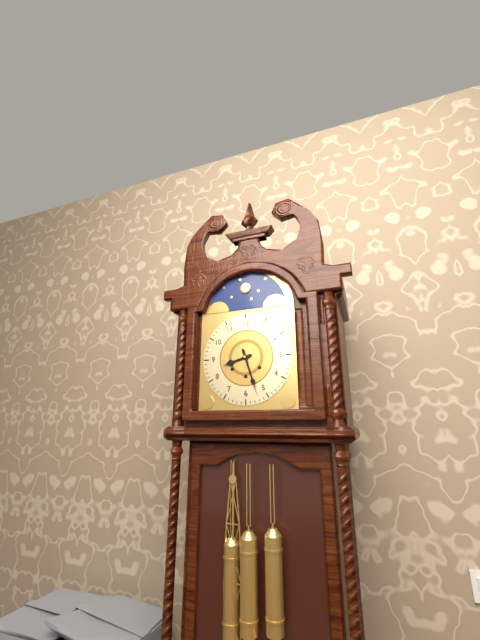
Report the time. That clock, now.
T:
8:27
